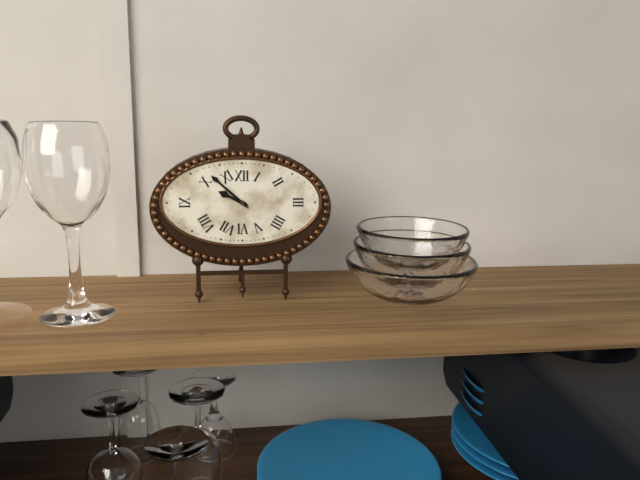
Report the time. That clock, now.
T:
9:52
